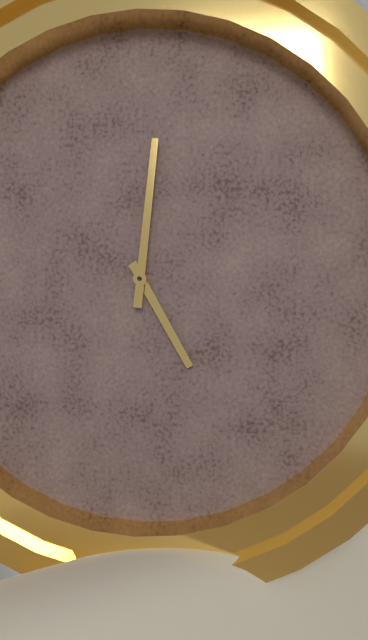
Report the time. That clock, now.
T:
5:01
